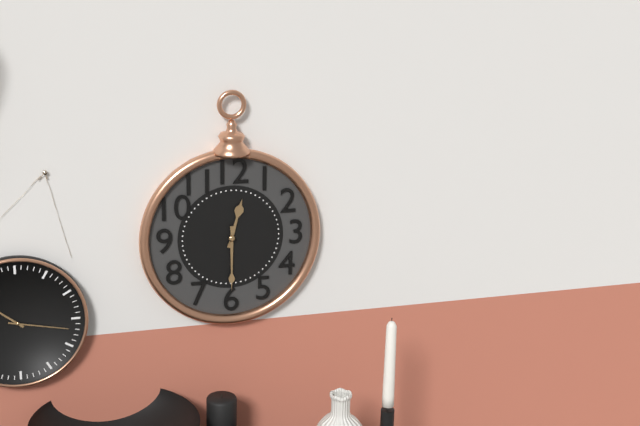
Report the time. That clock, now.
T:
12:30
